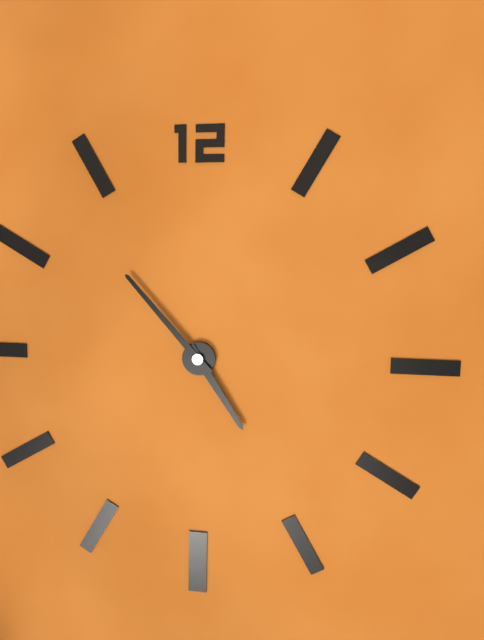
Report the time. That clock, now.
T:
4:53
